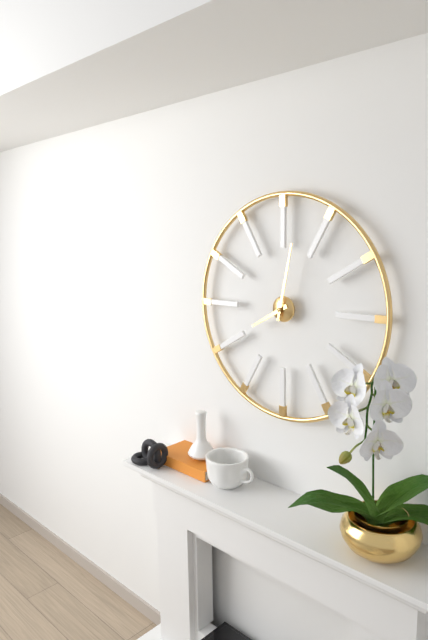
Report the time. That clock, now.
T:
8:02
